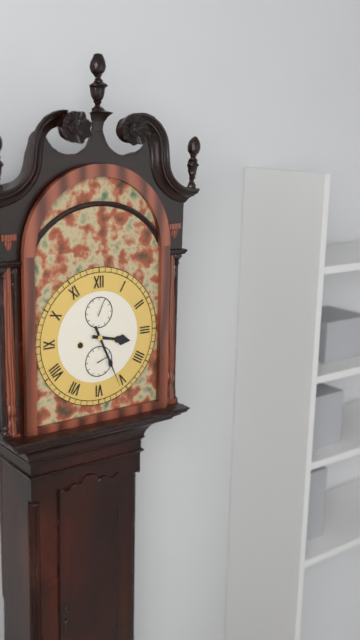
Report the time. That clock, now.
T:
3:26
